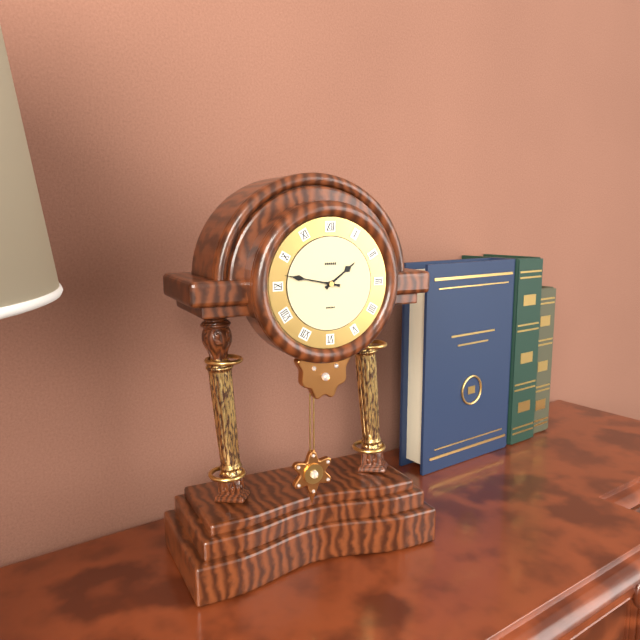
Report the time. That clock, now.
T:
1:47
